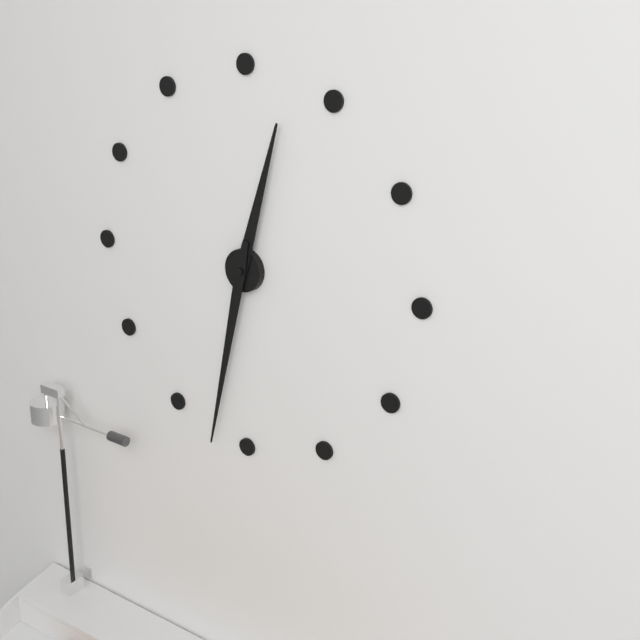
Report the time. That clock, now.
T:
12:32
